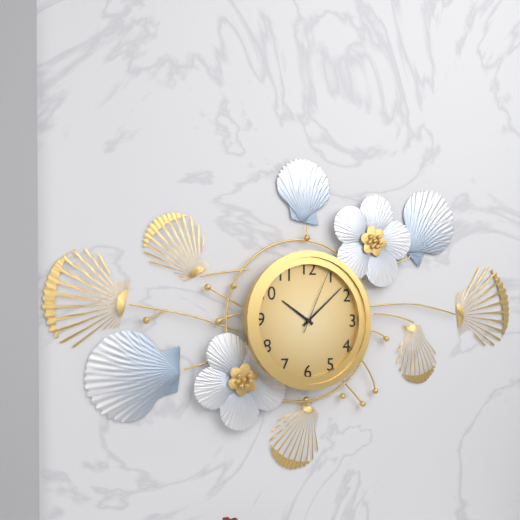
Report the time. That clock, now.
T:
10:08:04
